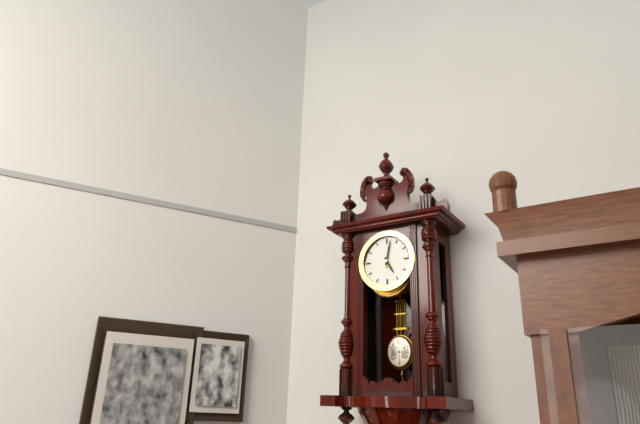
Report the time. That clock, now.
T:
5:02
